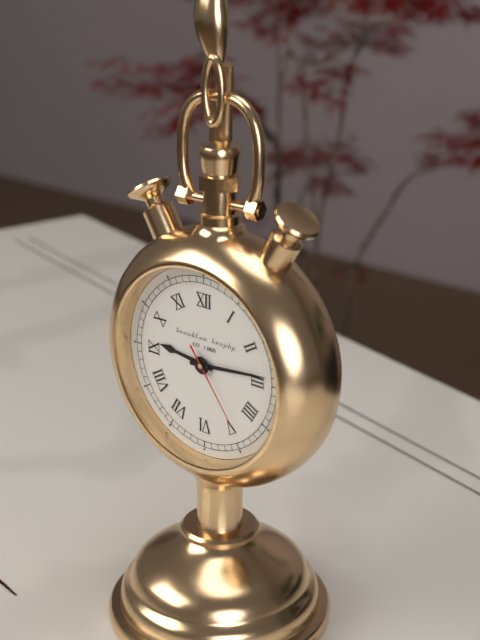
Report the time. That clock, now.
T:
9:14:24
